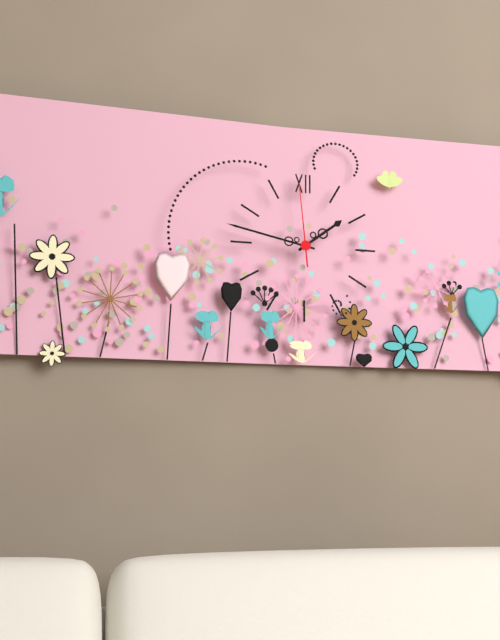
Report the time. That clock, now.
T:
1:47:59
